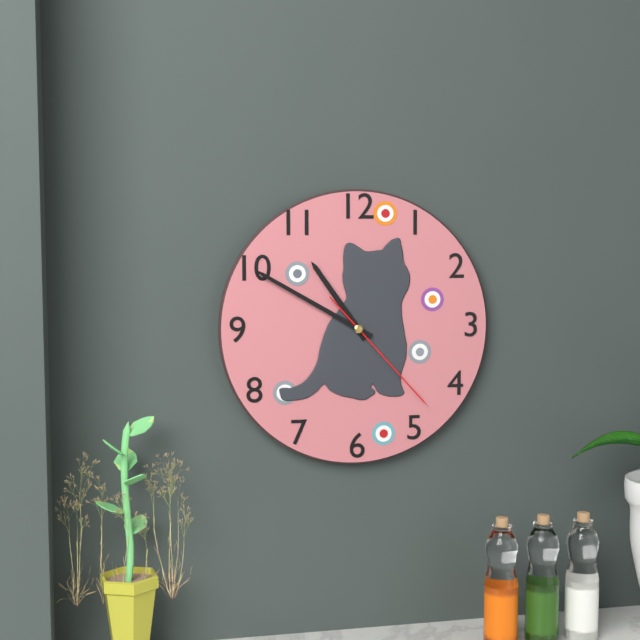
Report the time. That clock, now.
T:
10:50:23
